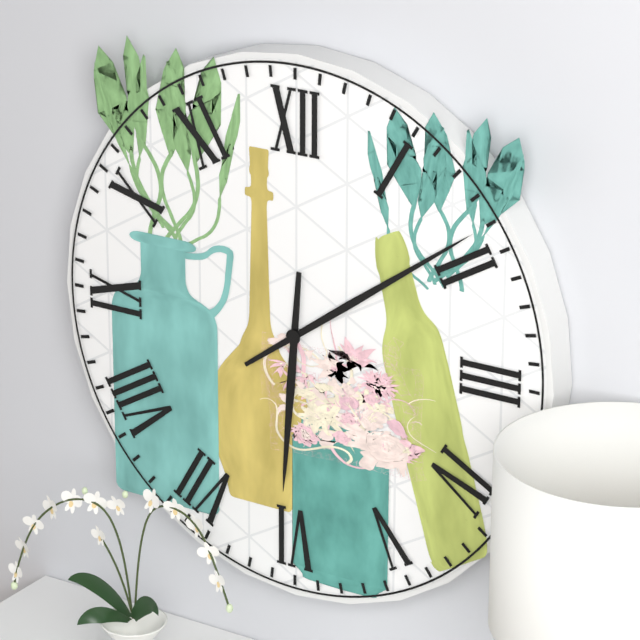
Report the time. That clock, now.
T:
6:09
